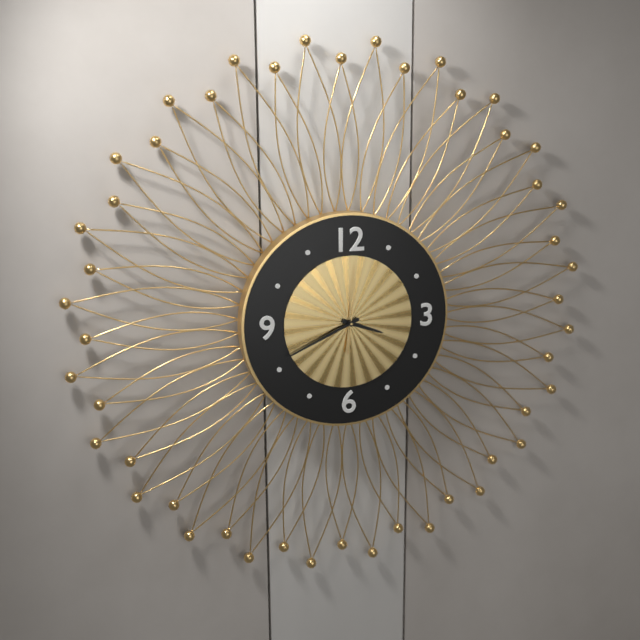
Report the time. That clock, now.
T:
3:41:01
